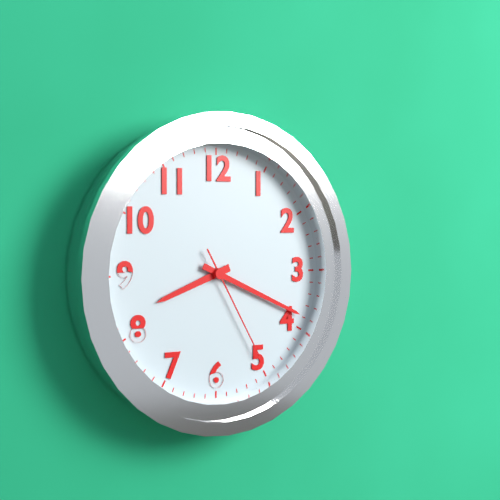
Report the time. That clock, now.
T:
8:19:25
